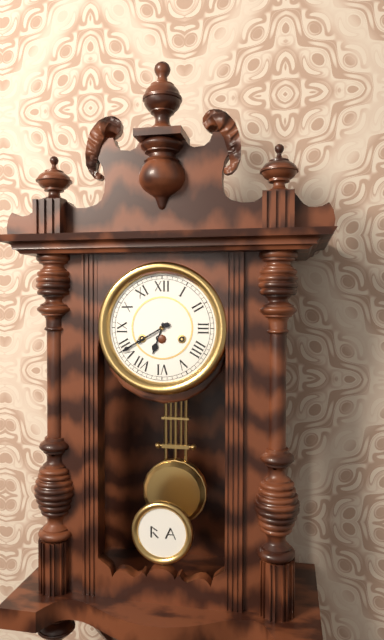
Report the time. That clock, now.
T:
6:40
